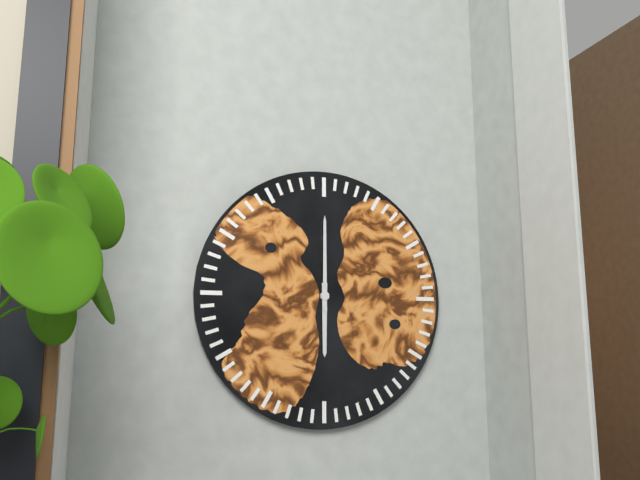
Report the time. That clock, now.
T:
6:00
